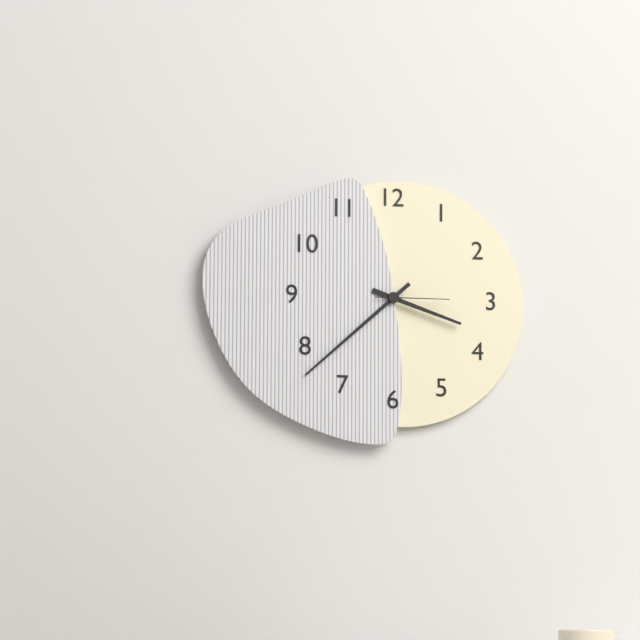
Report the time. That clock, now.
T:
3:38:15
